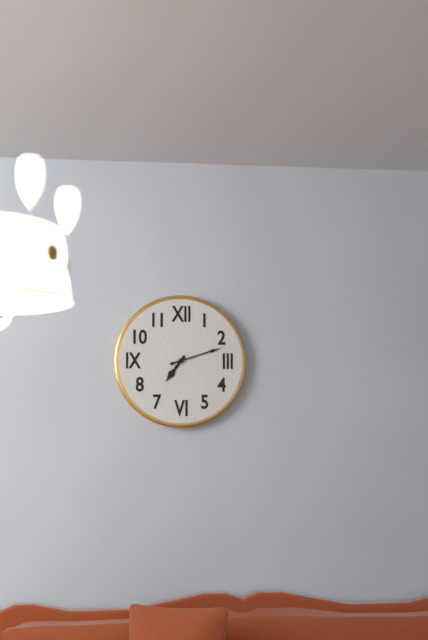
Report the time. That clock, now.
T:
7:12
